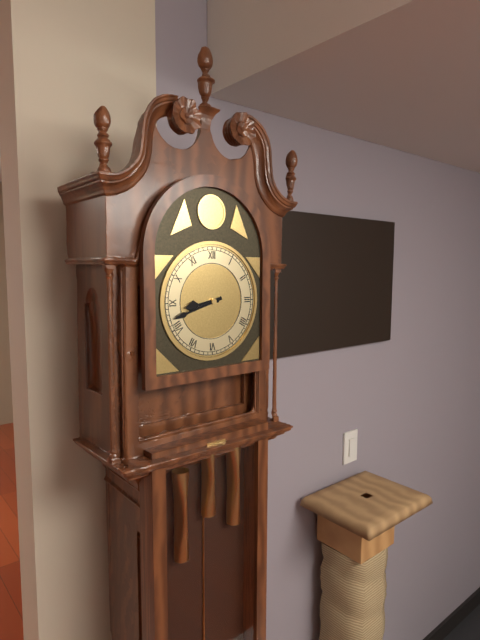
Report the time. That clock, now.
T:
8:42
